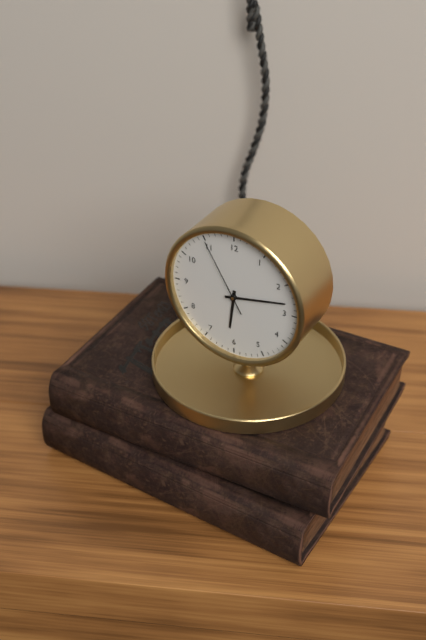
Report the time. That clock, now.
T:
6:13:55
